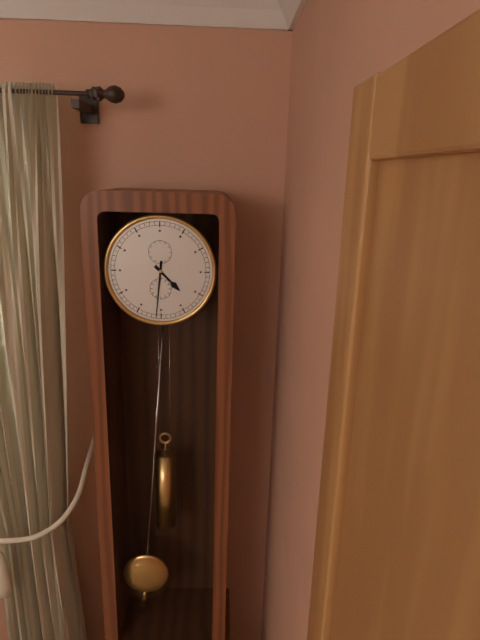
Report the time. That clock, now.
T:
4:31
